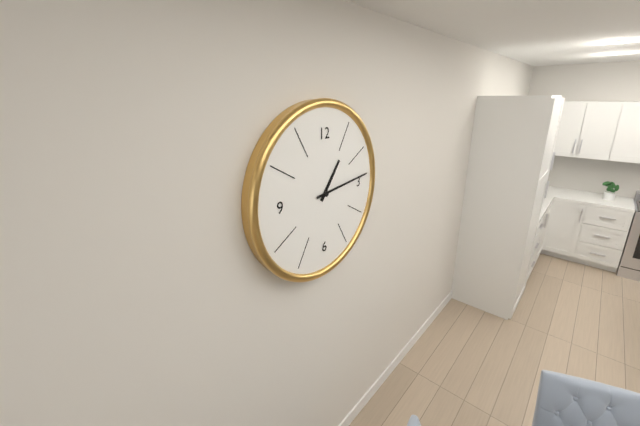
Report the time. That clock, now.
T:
1:14
